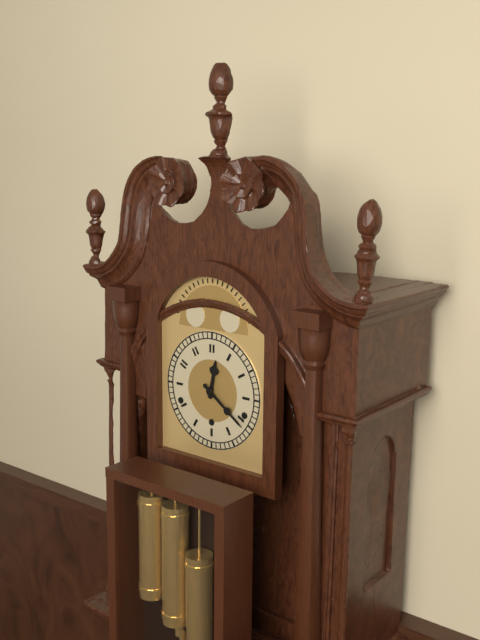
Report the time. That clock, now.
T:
12:21
